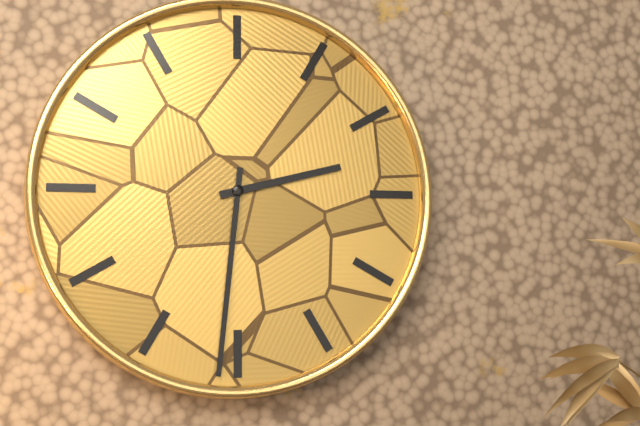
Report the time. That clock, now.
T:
2:31
